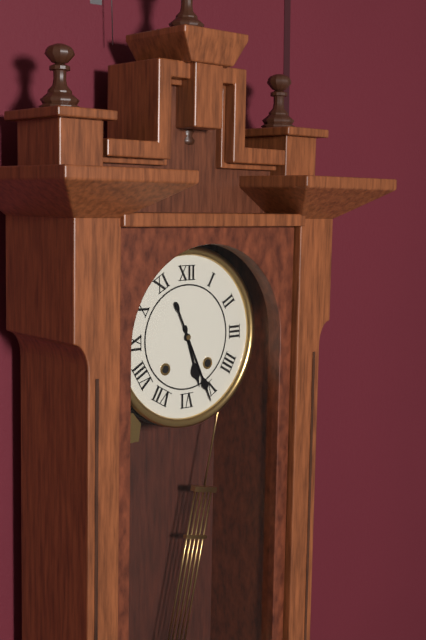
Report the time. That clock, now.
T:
5:26
